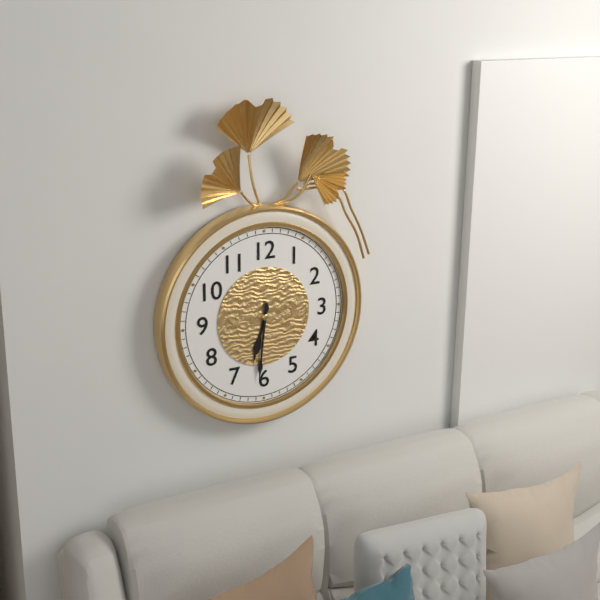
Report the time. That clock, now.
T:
6:31
